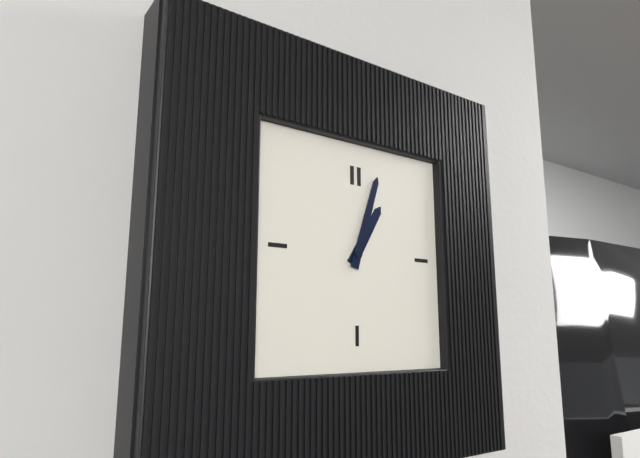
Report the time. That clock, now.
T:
1:03
